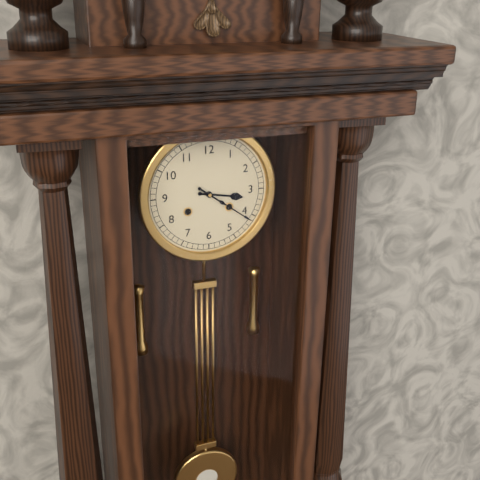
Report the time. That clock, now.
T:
3:21
